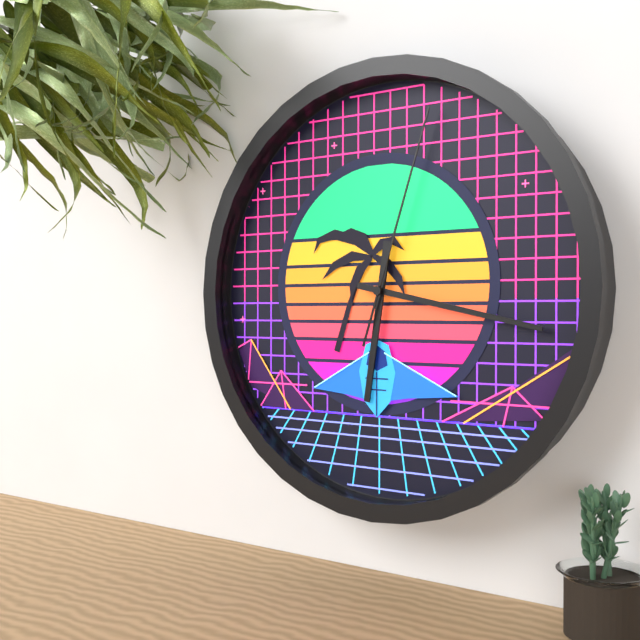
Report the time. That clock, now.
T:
6:17:03
